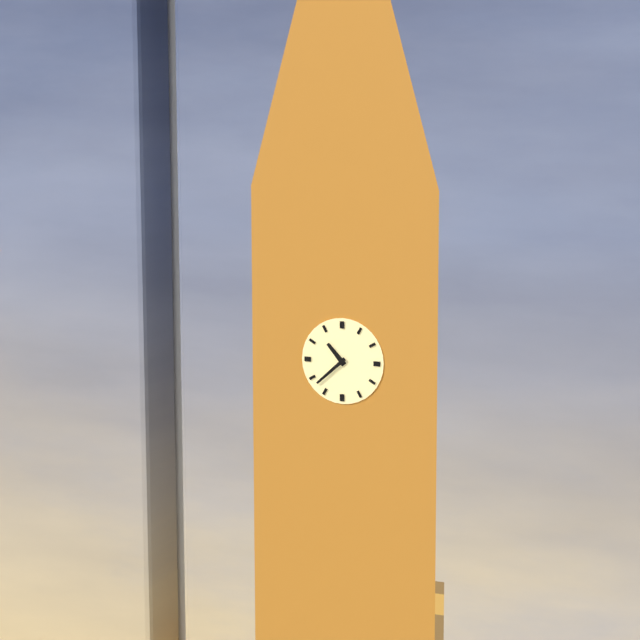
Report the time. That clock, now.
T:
10:38
